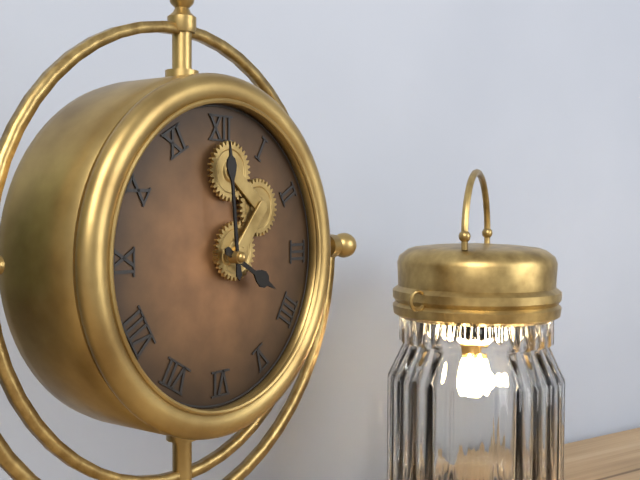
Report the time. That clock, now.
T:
3:59
